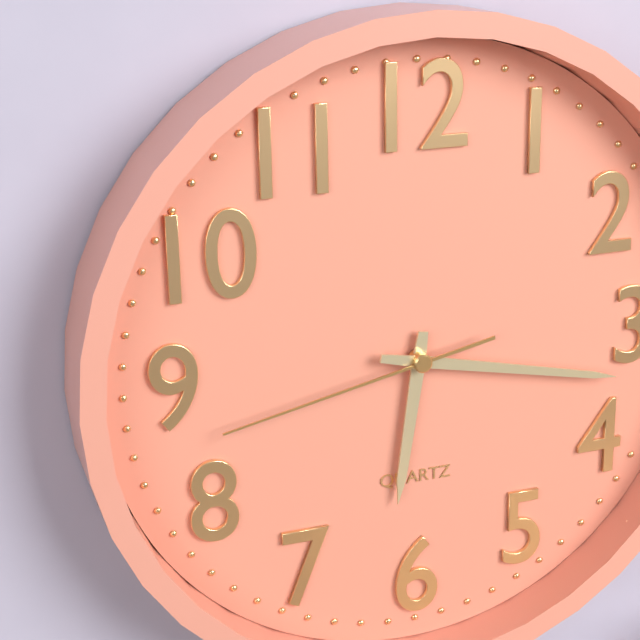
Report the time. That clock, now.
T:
6:17:43
